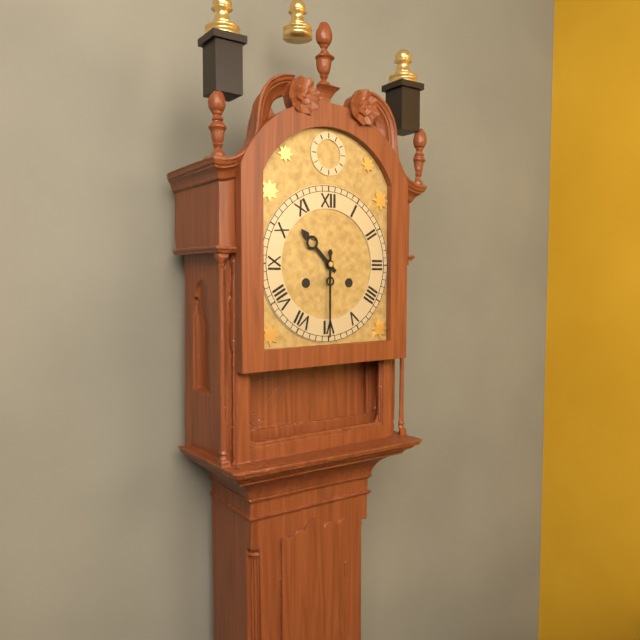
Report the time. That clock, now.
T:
10:30
